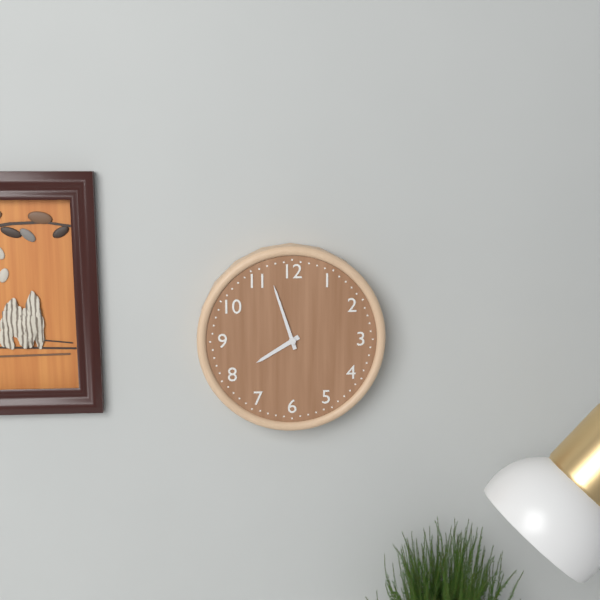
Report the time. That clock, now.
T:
7:57
